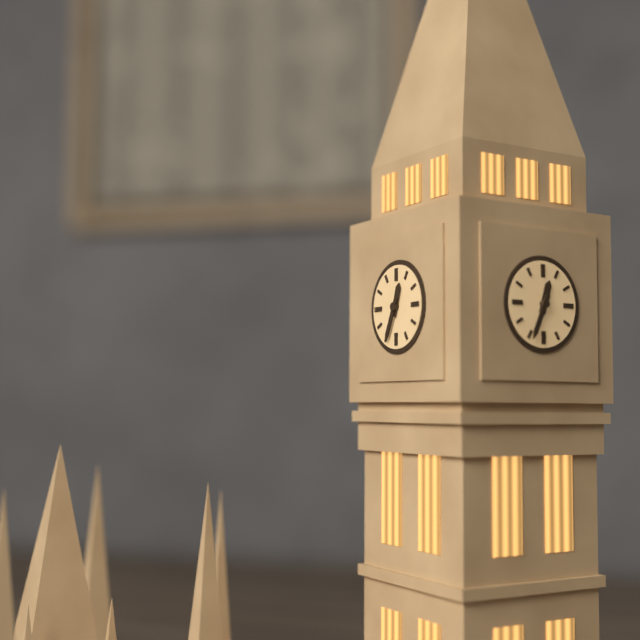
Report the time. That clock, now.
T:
12:34
